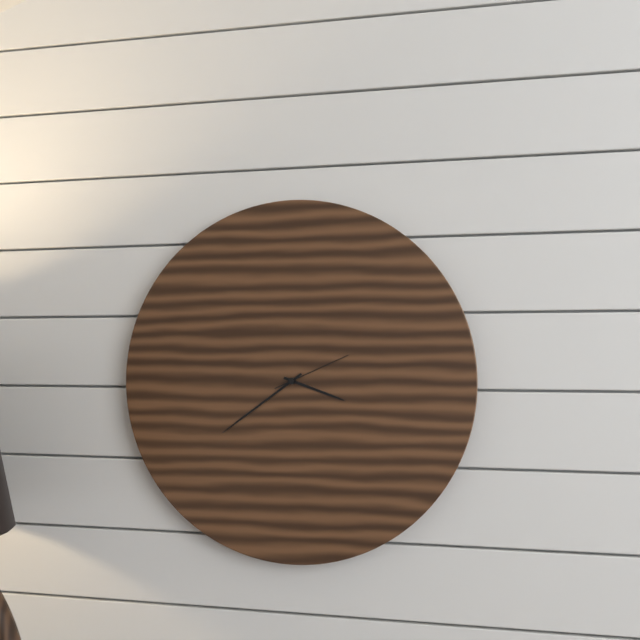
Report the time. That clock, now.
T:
3:39:11
